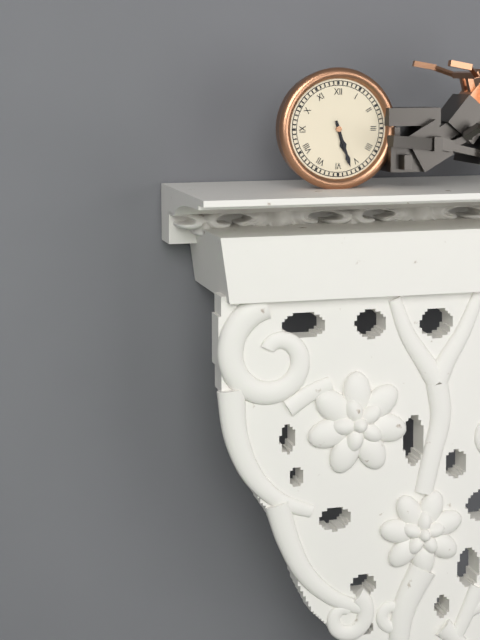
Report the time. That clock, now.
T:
5:27
